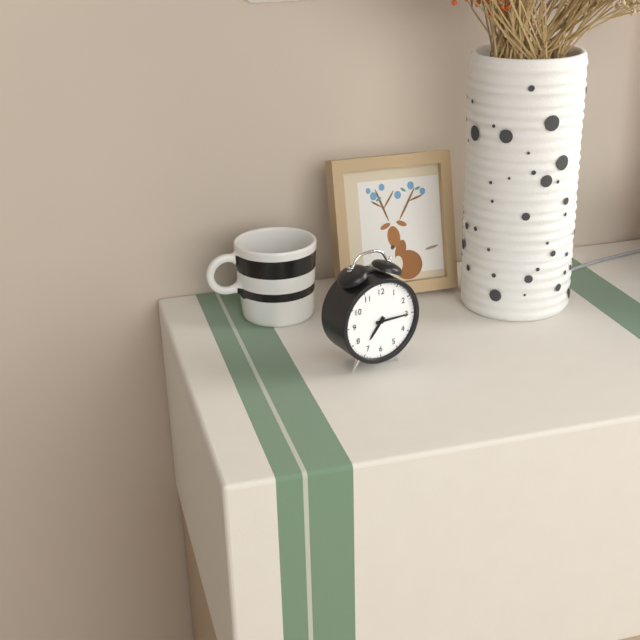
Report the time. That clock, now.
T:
7:15
